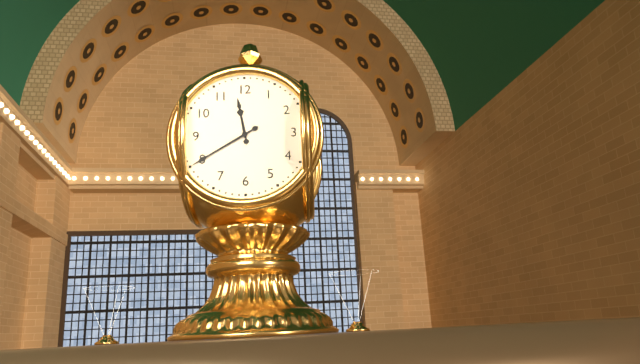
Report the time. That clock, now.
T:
11:40
